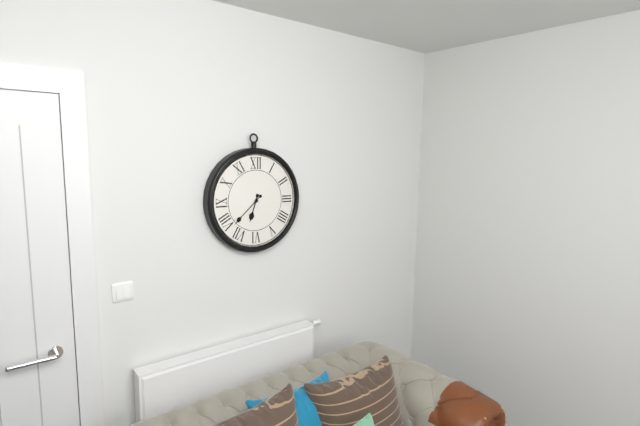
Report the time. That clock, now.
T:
6:38
